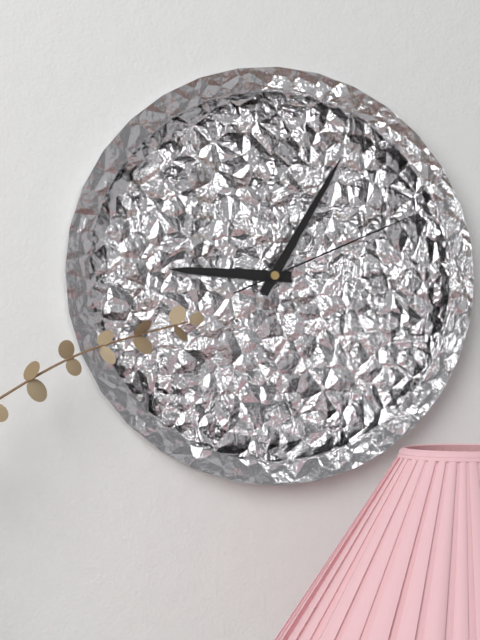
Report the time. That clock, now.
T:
9:05:11
